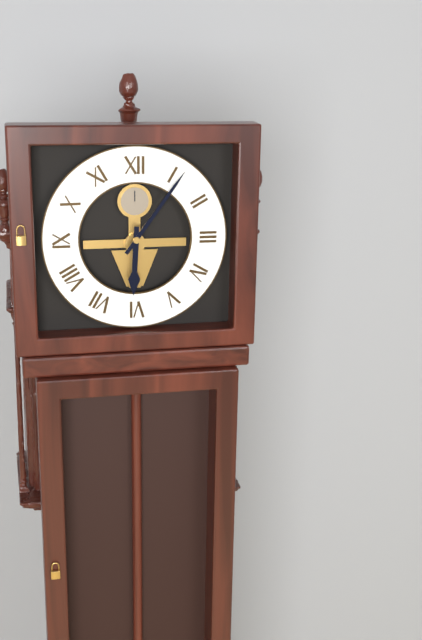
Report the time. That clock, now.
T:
6:06
